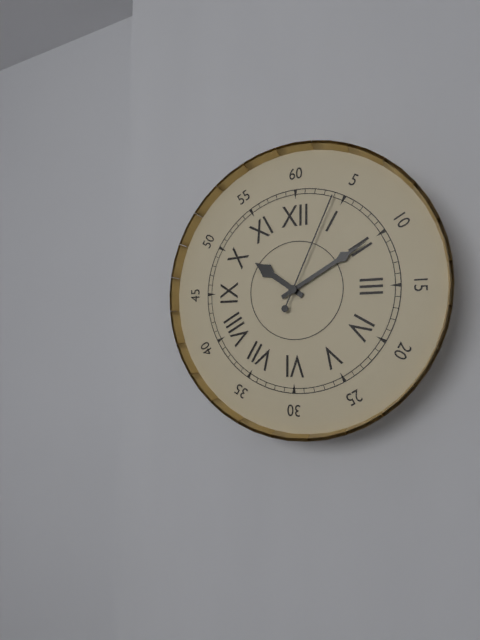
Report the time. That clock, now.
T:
10:10:04
